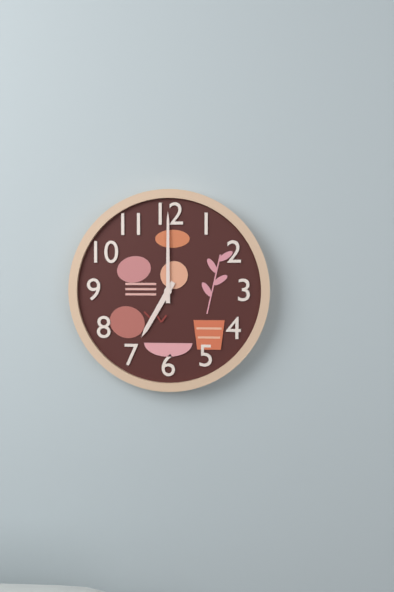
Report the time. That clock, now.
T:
7:00
